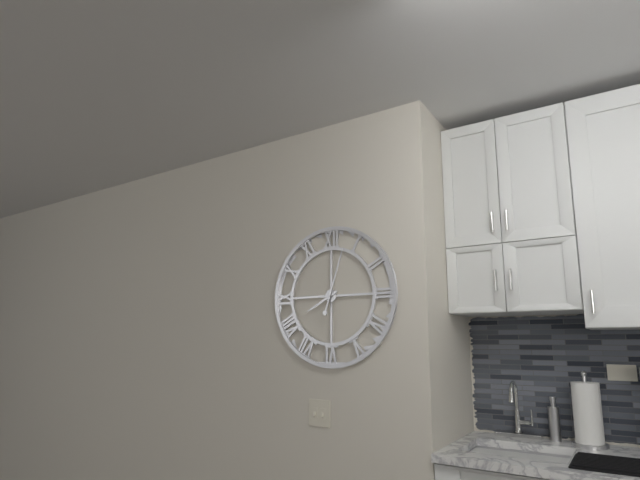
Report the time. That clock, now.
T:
8:03
